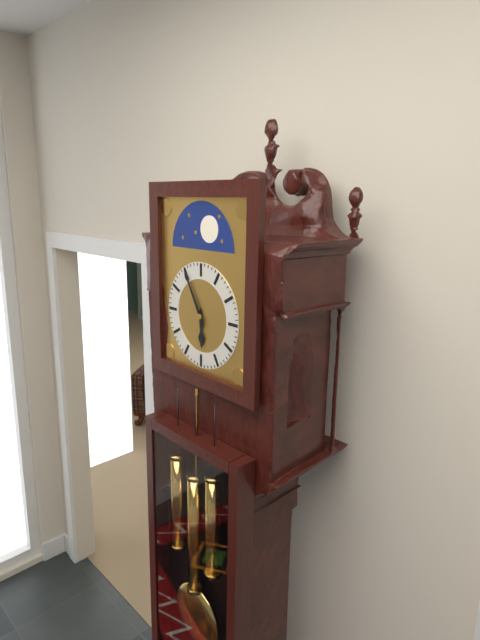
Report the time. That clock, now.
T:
5:55
